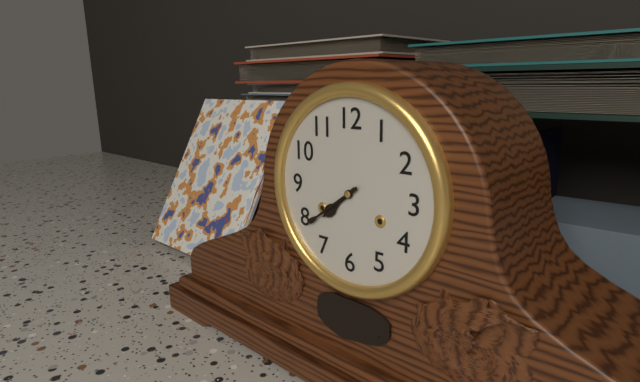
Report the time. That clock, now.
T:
7:39
